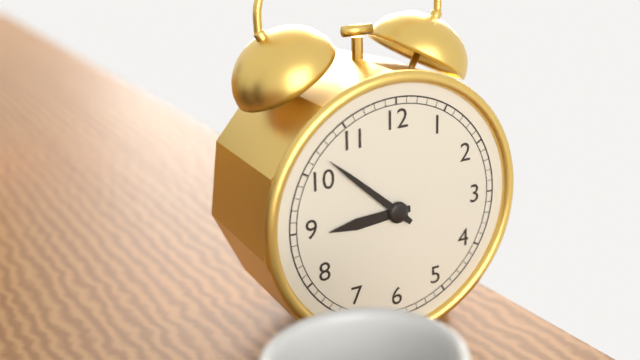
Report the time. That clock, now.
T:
8:52
